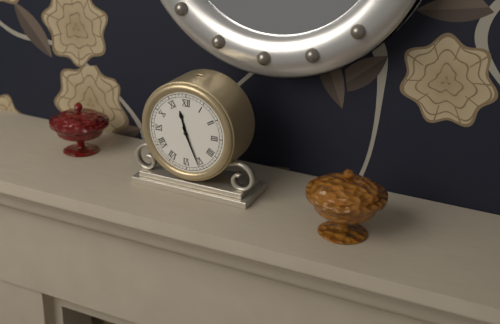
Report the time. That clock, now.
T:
11:26
